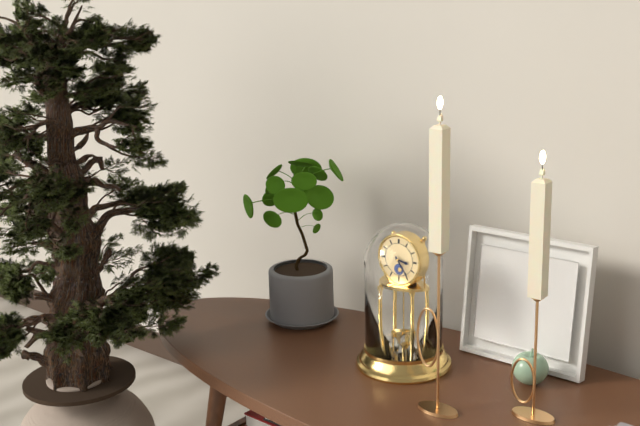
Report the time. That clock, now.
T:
3:24
